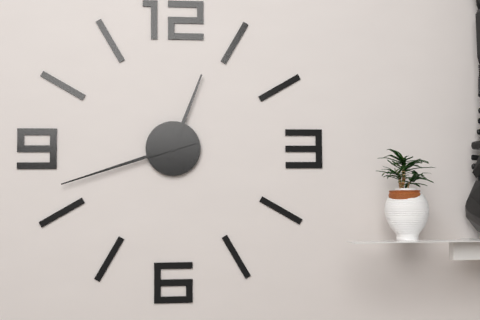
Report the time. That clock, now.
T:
12:42
